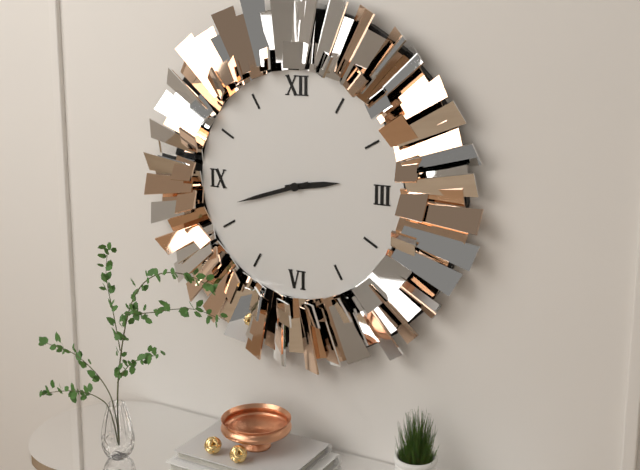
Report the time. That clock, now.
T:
2:42
